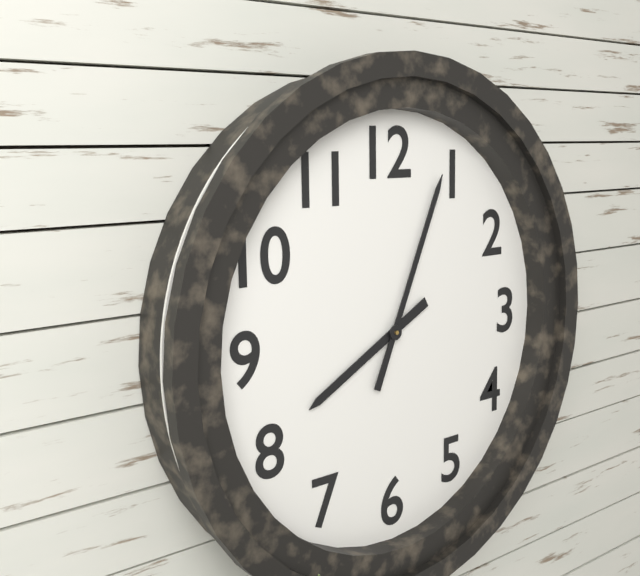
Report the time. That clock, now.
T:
8:04
